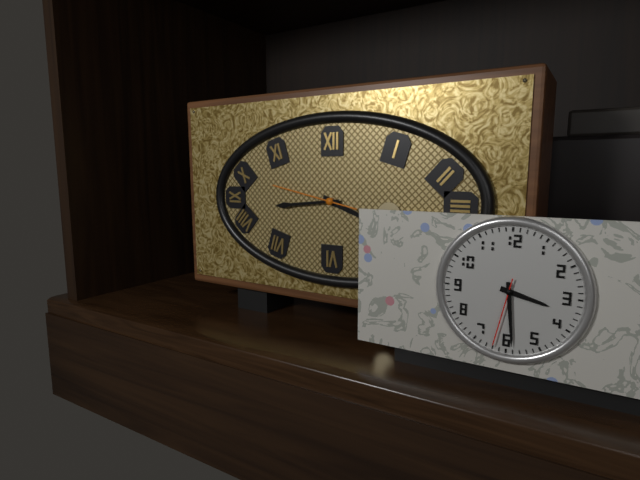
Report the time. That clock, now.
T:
3:44:47
